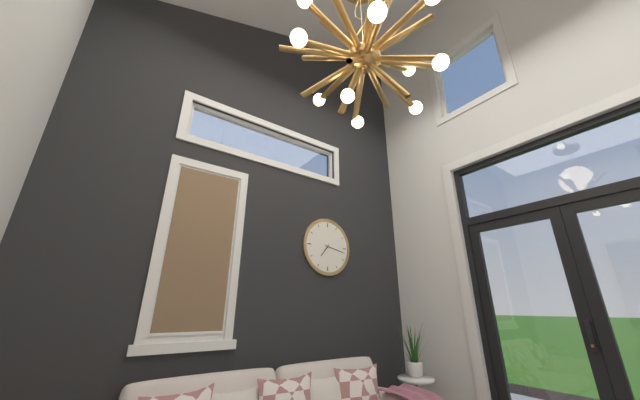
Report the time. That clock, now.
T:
7:17
